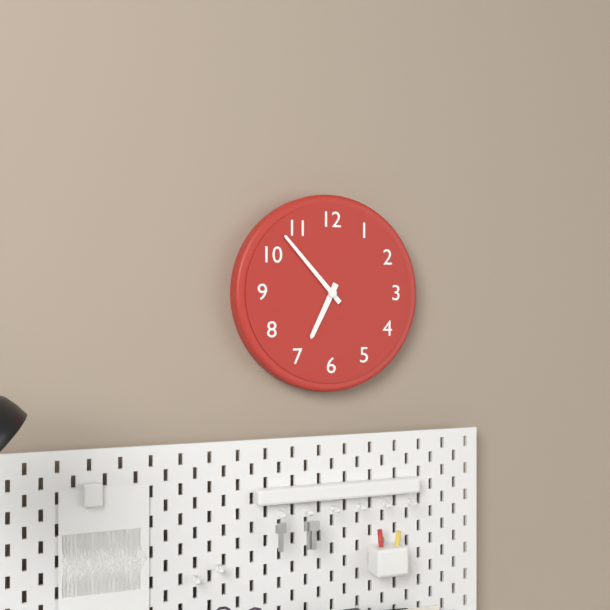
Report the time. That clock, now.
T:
6:53
